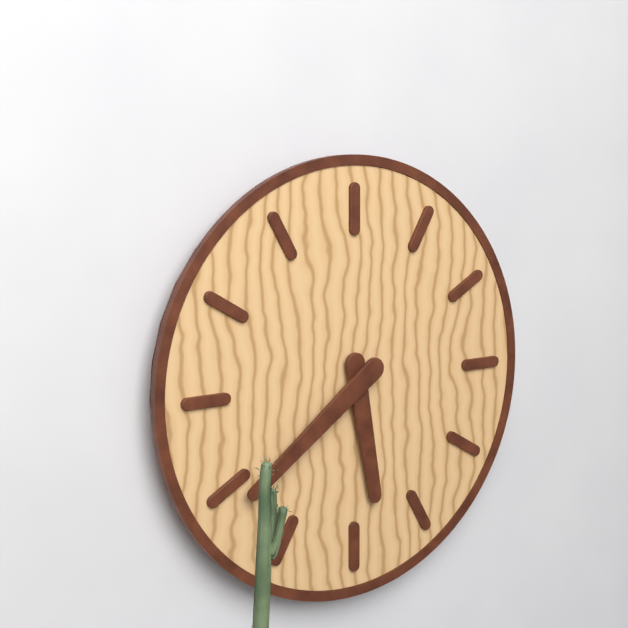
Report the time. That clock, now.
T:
5:39
